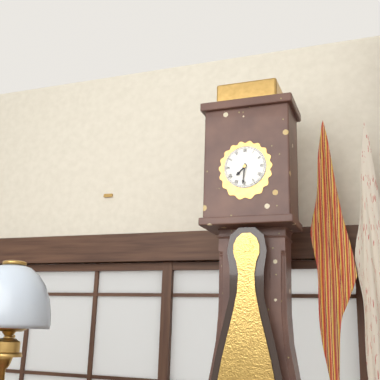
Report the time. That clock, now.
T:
7:31
